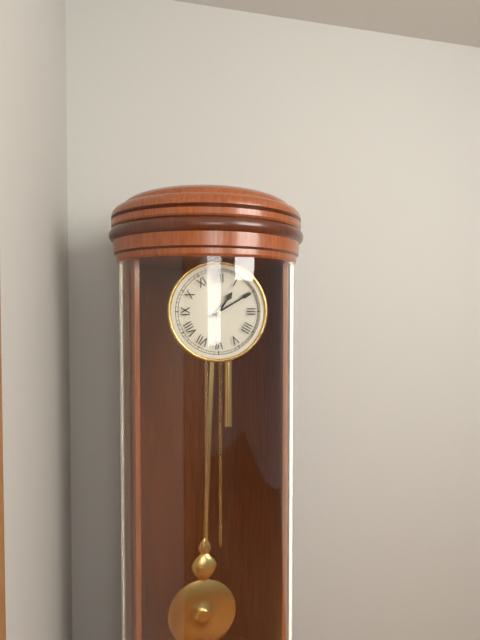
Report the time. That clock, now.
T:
1:10
